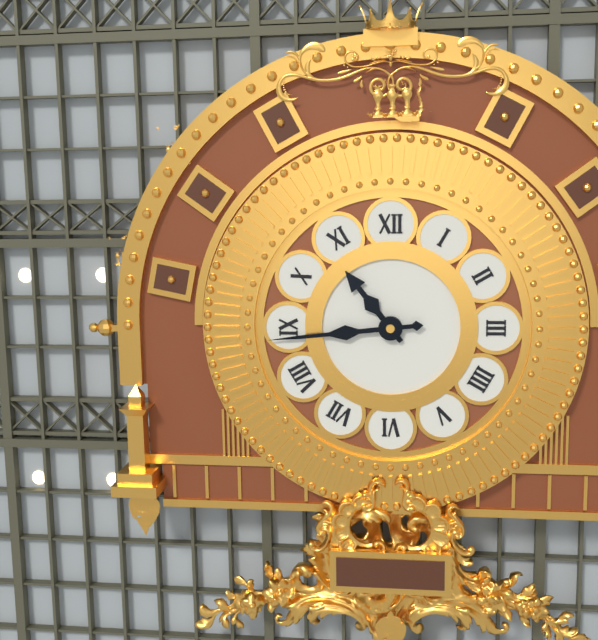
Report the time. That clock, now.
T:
10:44
